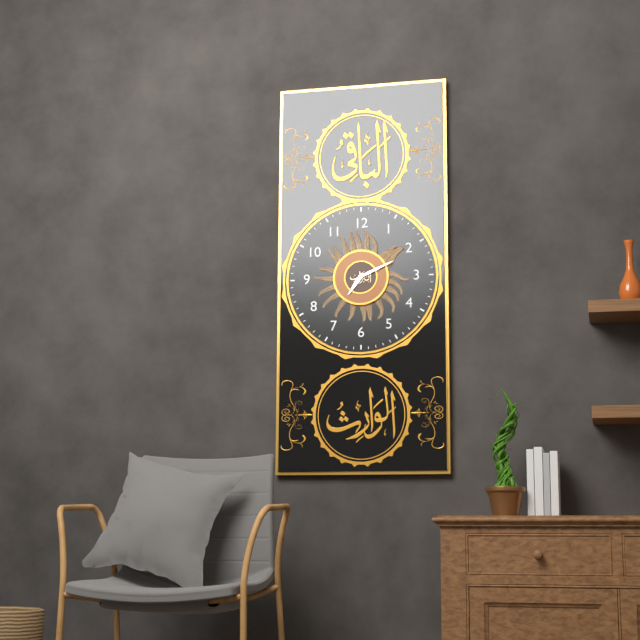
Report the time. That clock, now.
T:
7:11
